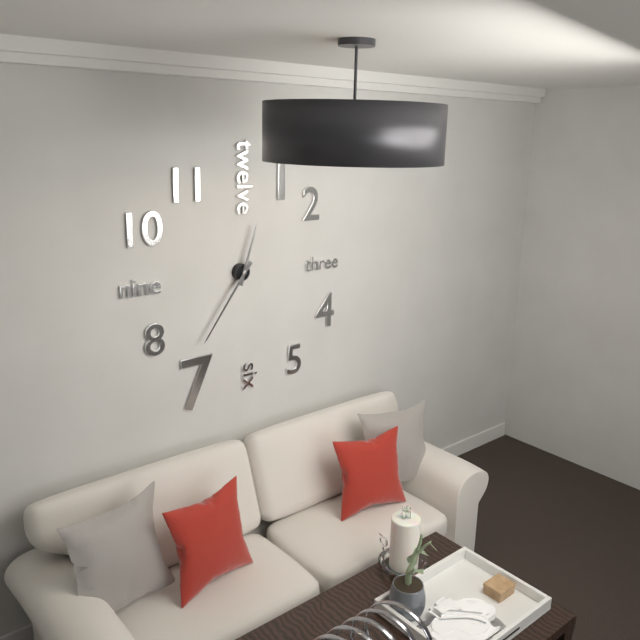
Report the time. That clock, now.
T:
12:36
